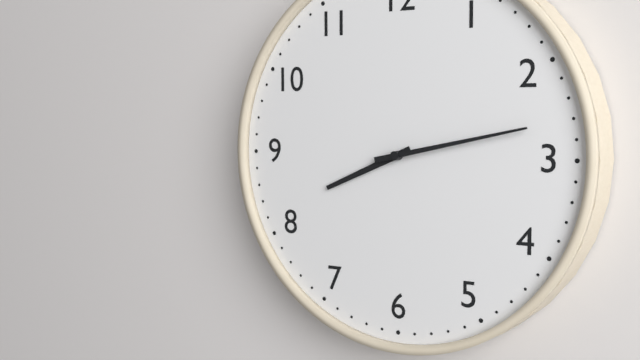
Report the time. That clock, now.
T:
8:13
